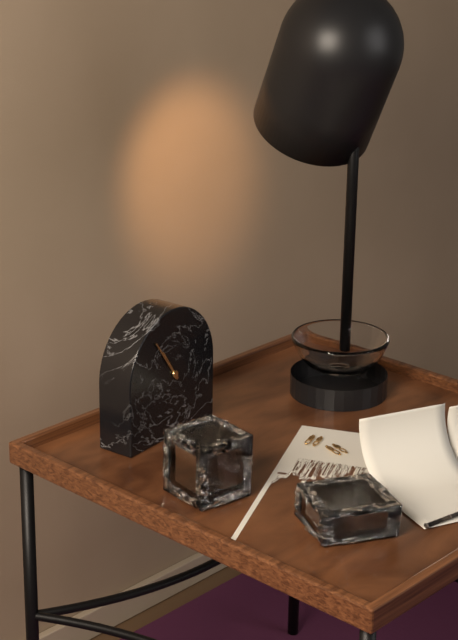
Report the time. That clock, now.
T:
10:54
